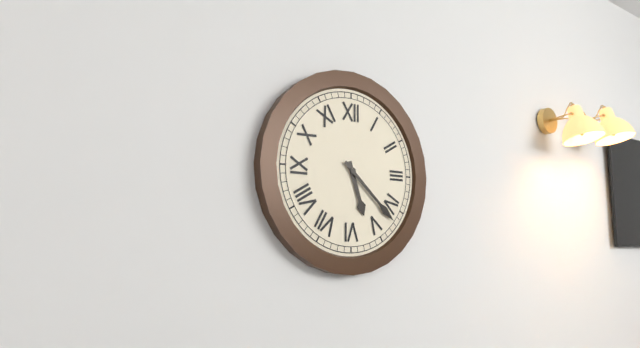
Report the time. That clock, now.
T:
5:22
